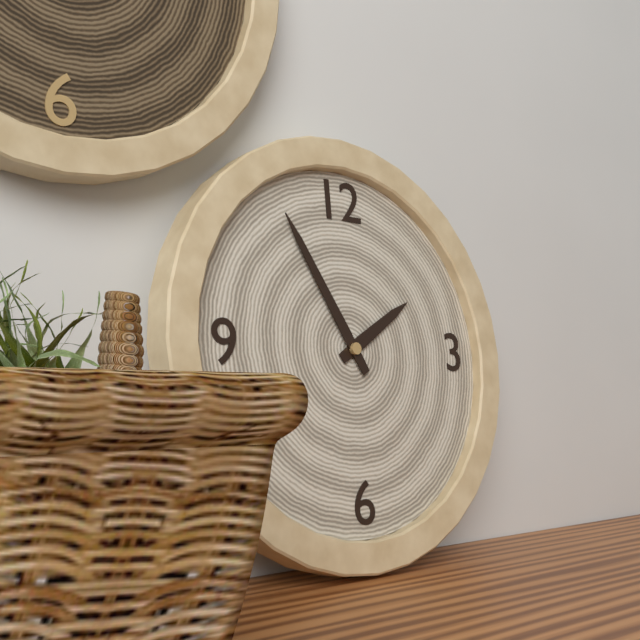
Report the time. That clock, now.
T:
1:55
